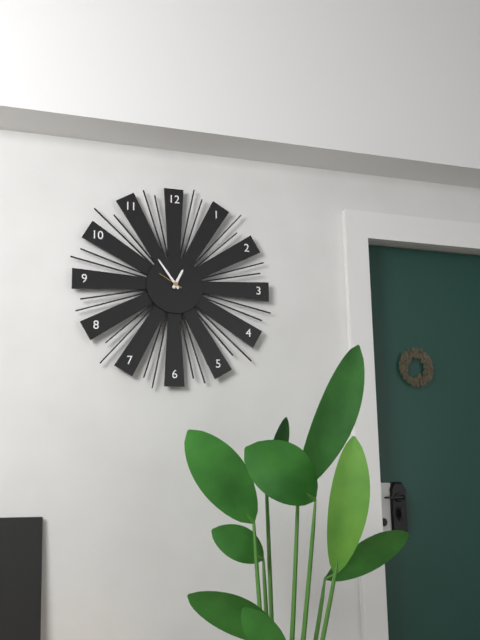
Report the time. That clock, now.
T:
12:54
